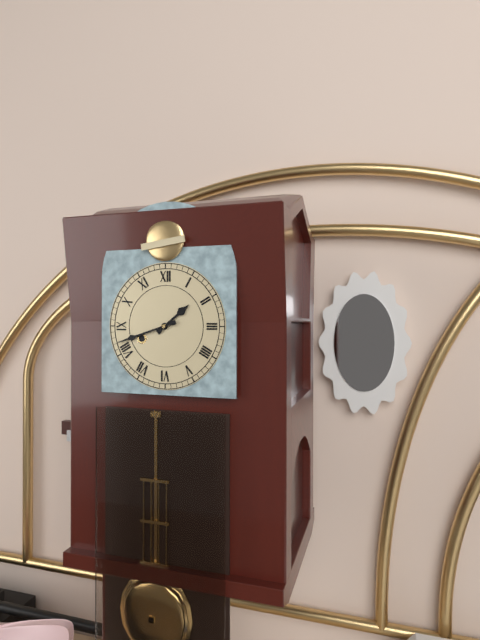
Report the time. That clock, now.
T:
1:42
